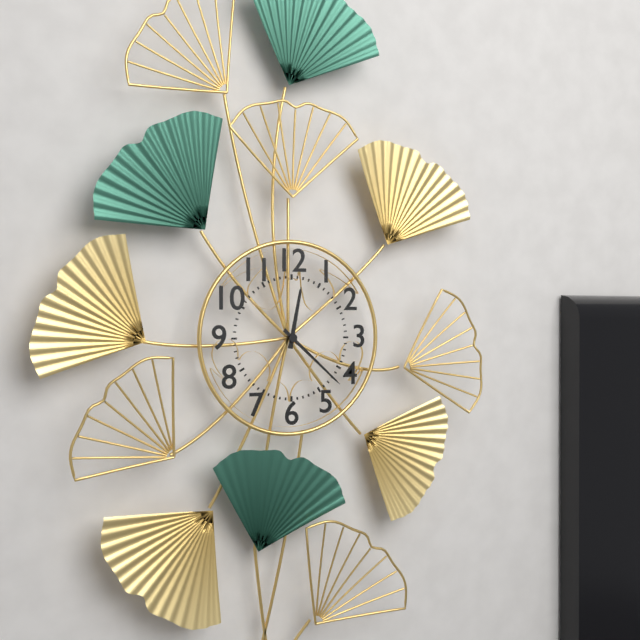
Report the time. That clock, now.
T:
12:22
